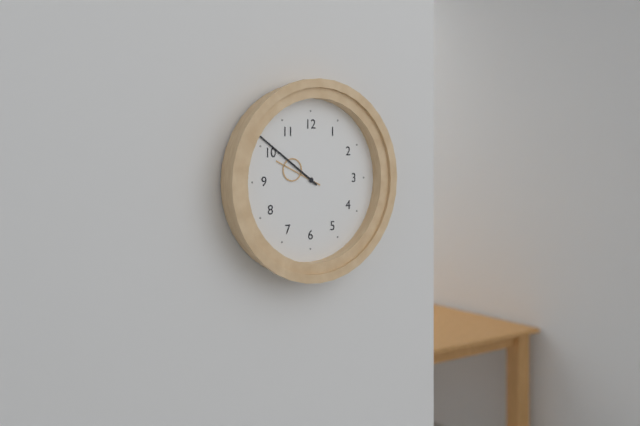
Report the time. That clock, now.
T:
9:51
